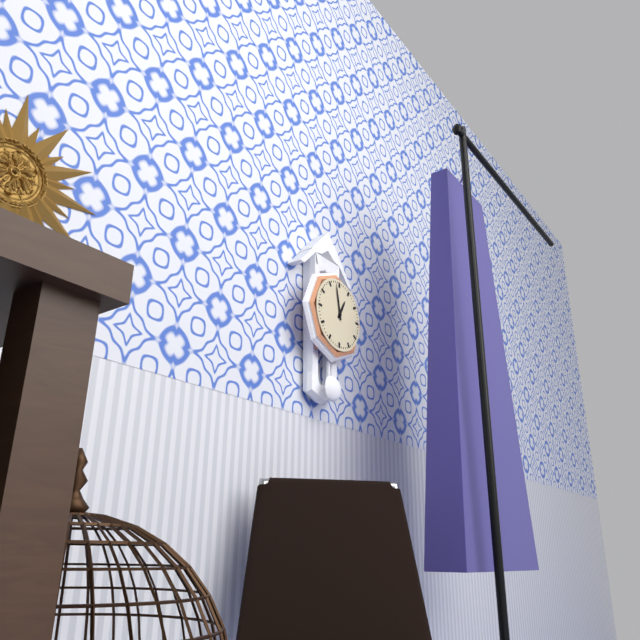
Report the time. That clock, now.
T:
12:58
